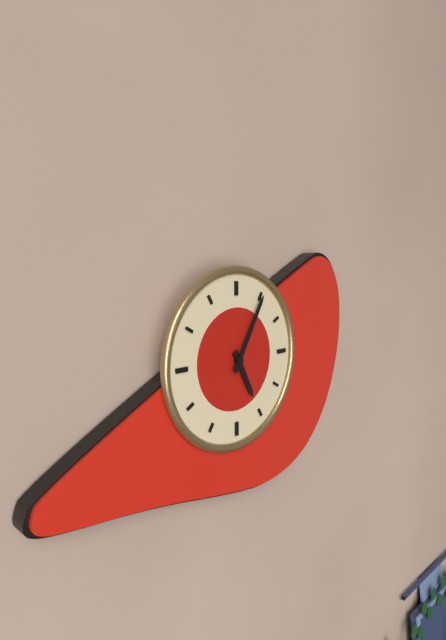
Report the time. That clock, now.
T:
5:05
